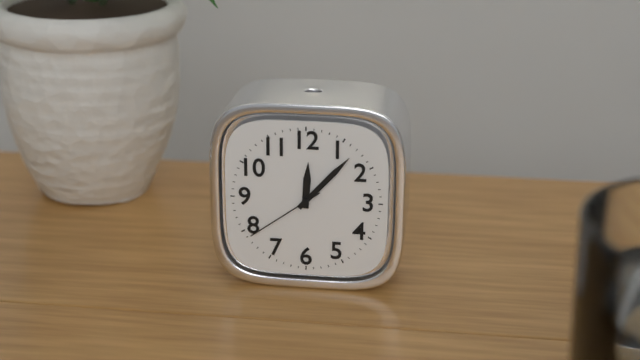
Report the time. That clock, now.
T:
12:07:39
